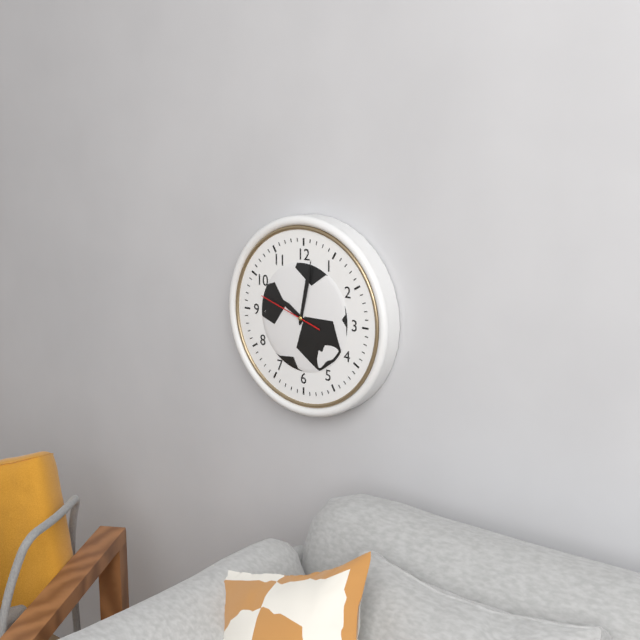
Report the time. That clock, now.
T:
10:02:48
